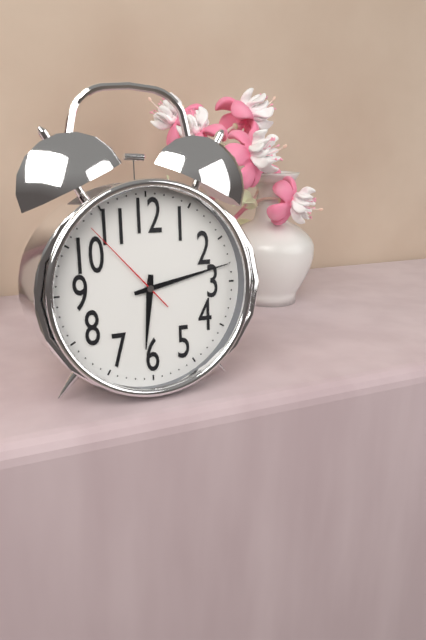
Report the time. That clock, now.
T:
6:13:53
